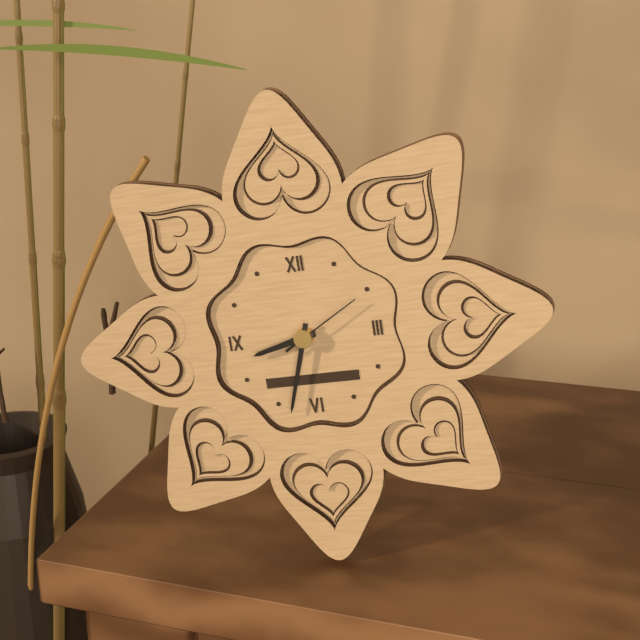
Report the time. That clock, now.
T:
8:33:10
